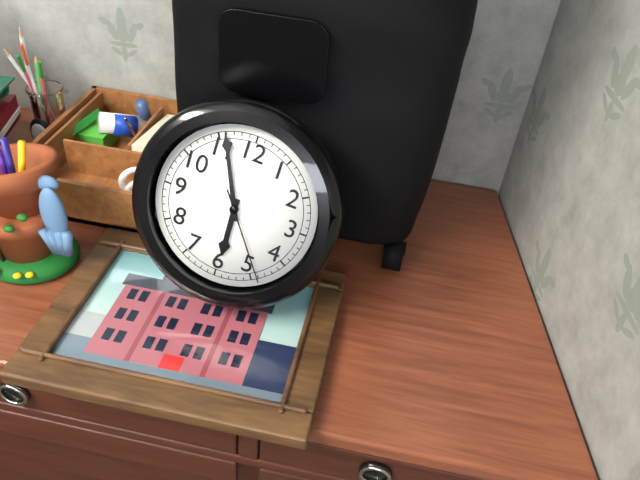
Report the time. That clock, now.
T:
5:56:24
